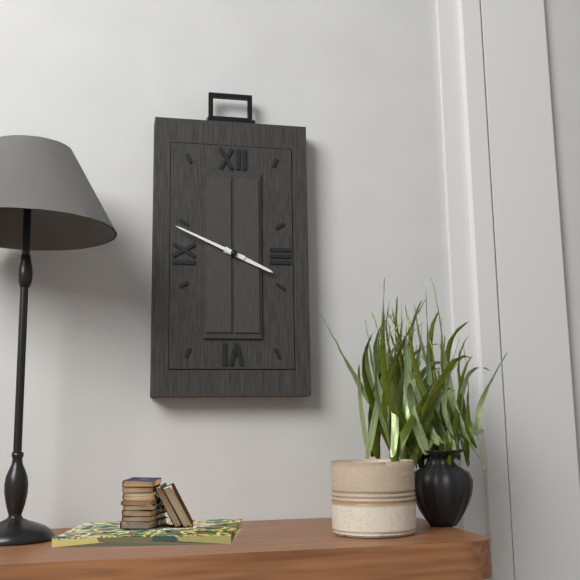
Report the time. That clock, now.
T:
3:49
